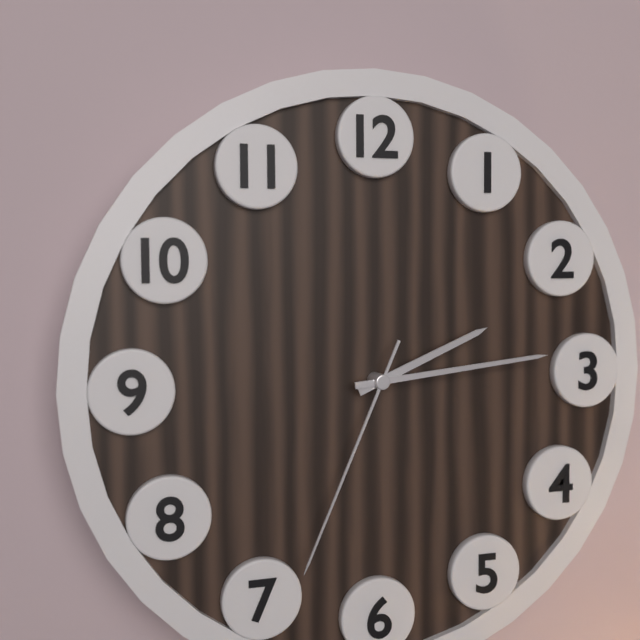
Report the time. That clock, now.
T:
2:14:34
